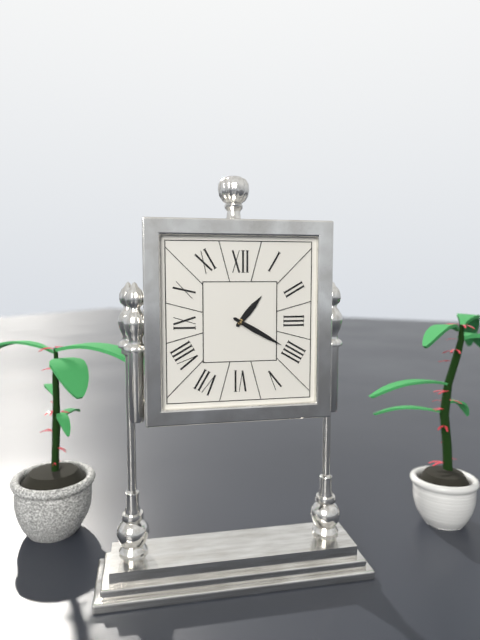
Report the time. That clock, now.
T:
1:20
